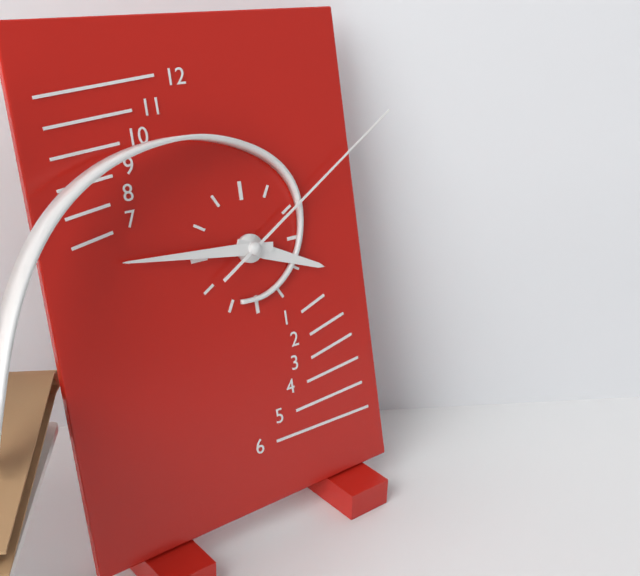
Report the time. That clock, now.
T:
3:46:10
